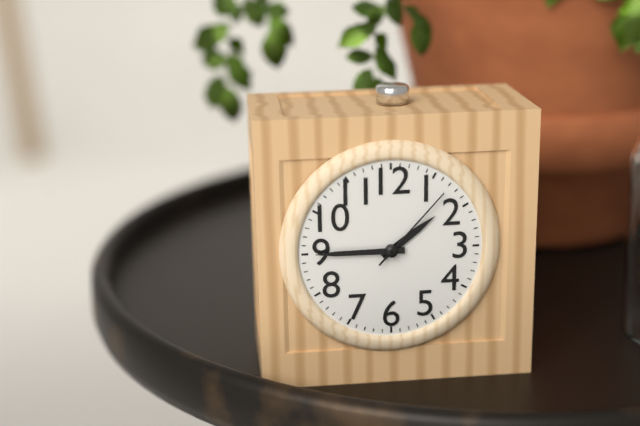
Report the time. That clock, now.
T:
1:45:07
